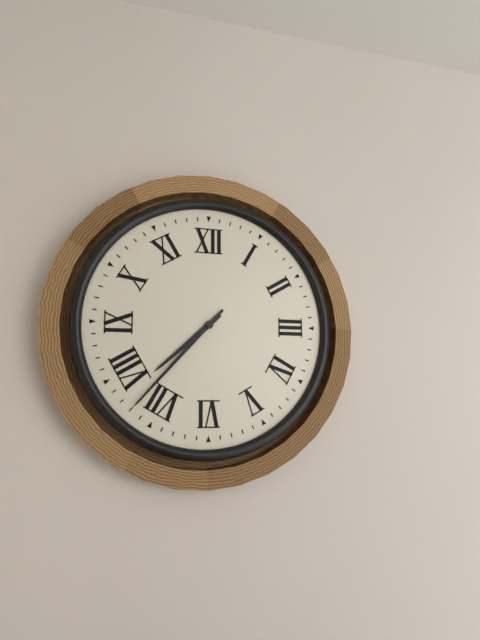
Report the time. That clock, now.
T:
7:37
